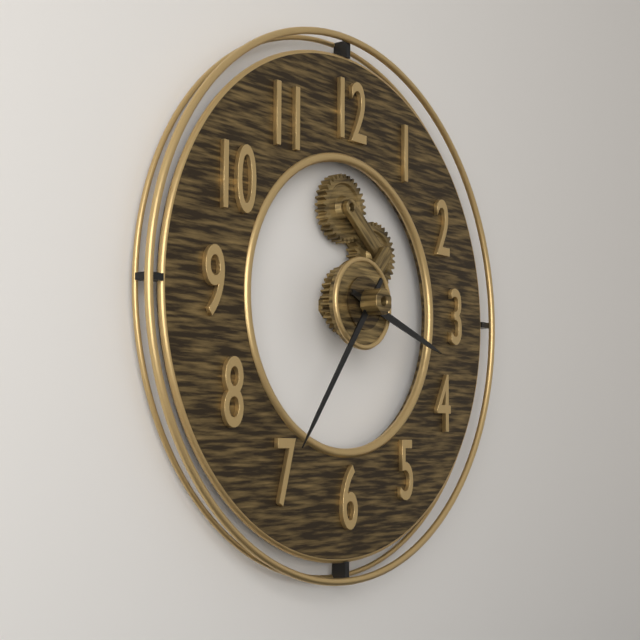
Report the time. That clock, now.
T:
3:36
